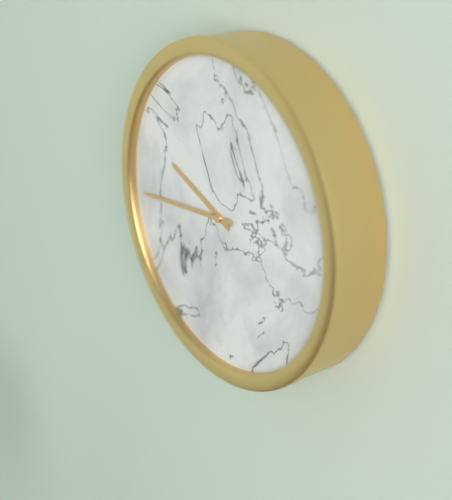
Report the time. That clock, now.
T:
9:44
